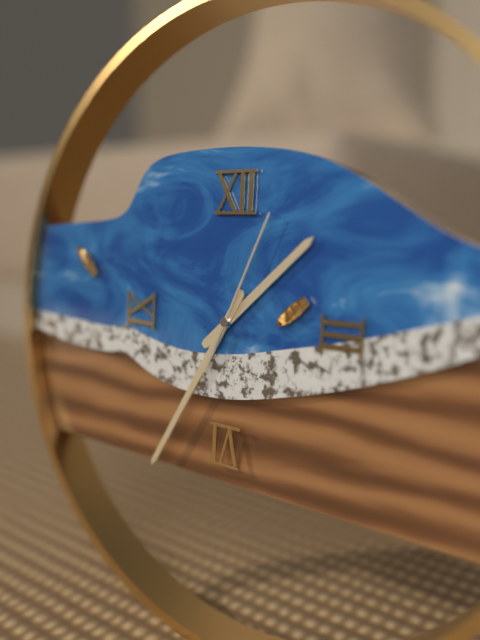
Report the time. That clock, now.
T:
1:35:04
